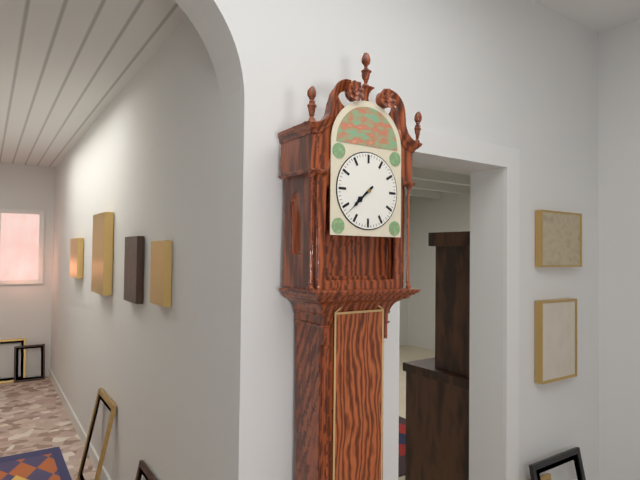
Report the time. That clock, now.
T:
7:38
